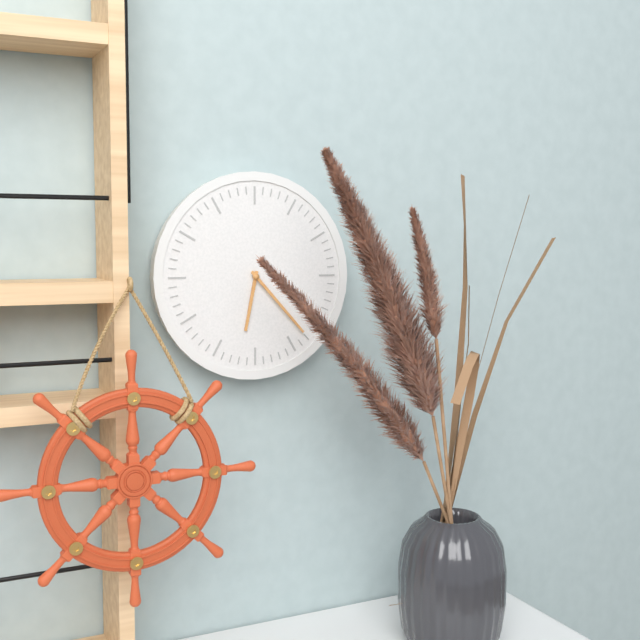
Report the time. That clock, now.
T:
6:23
